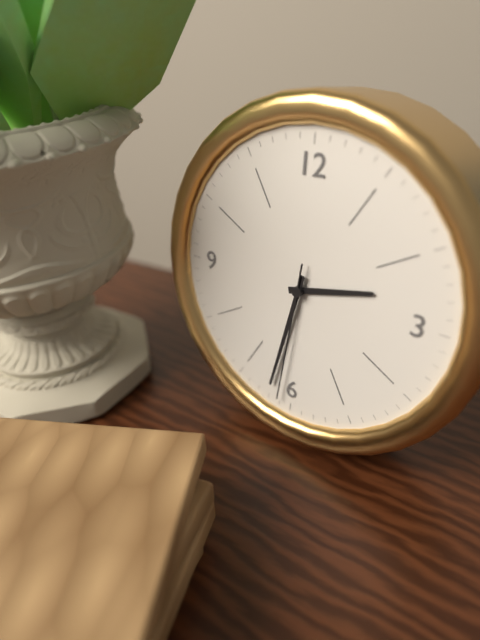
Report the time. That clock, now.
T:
2:32:31
